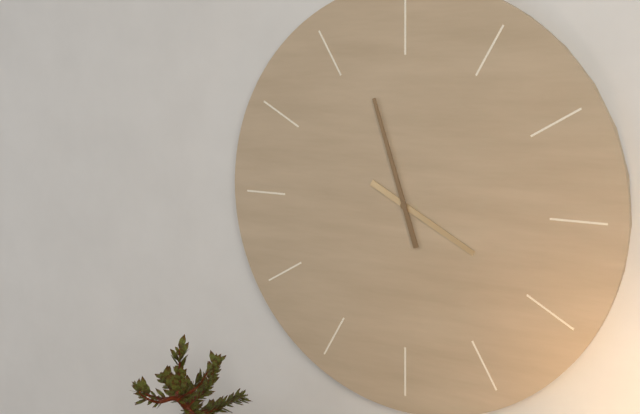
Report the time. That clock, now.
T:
3:57
